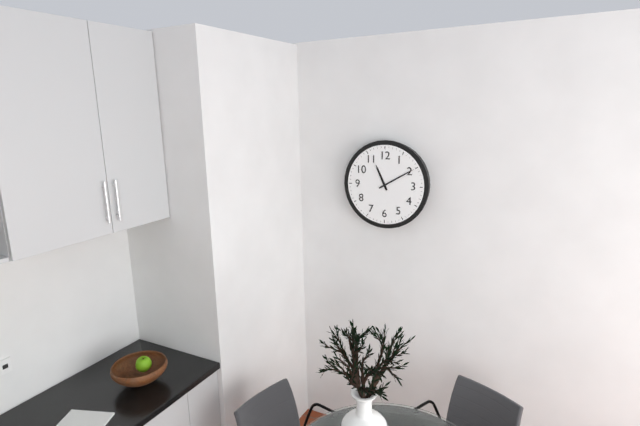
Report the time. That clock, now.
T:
11:10
